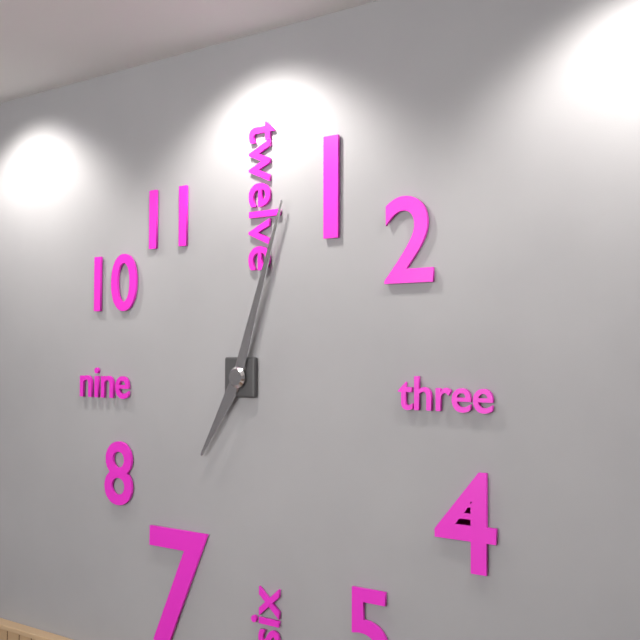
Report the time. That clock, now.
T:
7:03
